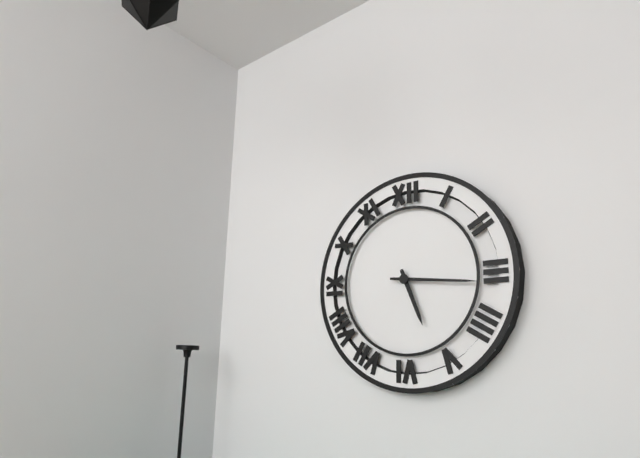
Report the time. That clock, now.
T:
5:16
